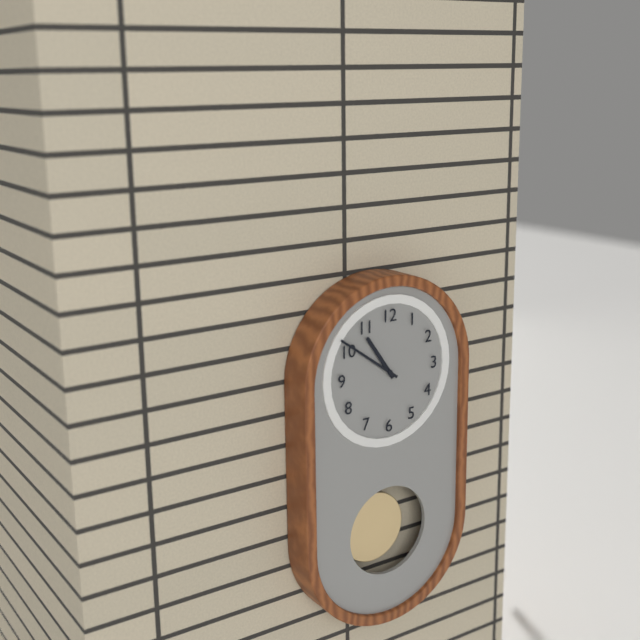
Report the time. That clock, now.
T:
10:51
